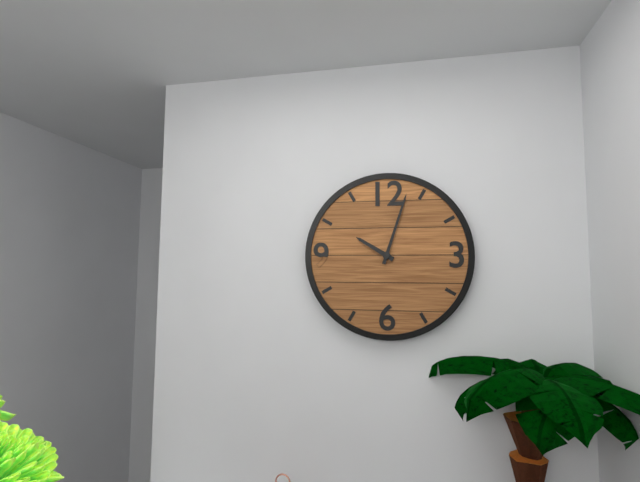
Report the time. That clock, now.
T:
10:03
